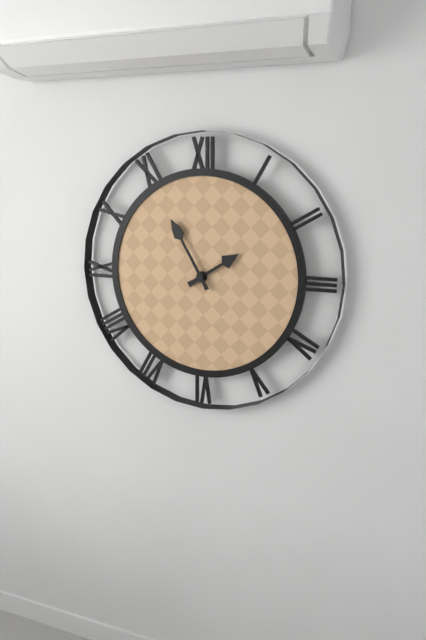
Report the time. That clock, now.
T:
1:55
